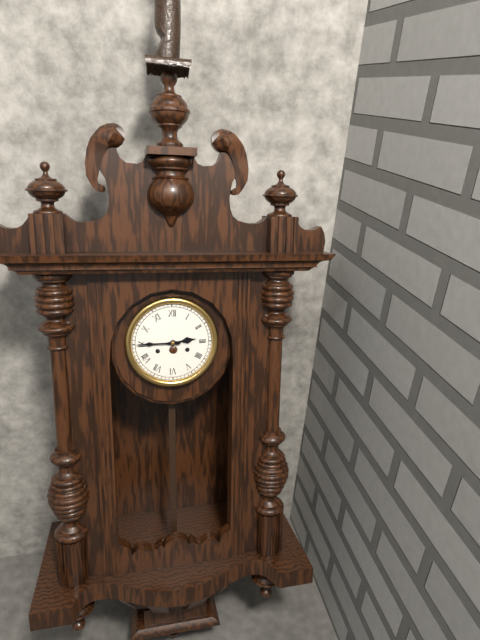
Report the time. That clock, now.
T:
2:45
